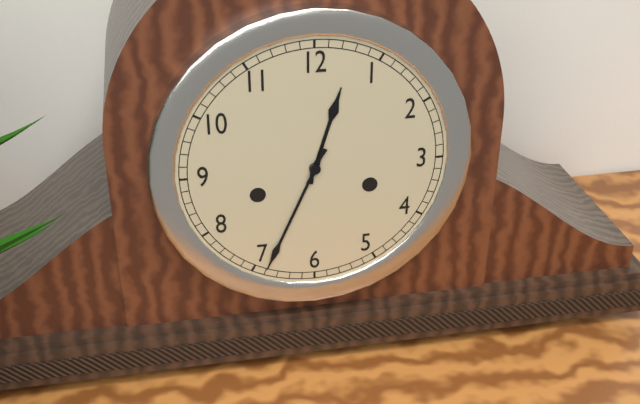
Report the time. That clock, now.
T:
12:34
